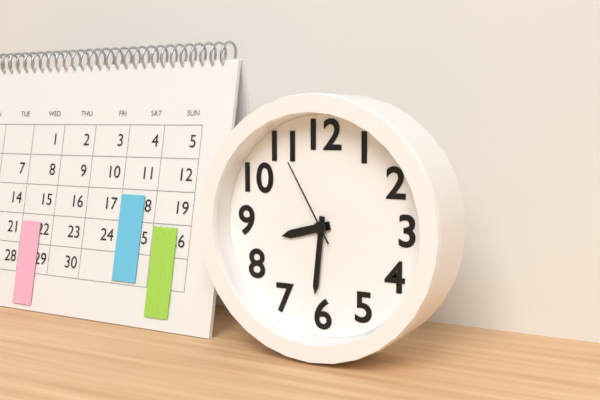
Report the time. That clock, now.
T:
8:31:55
